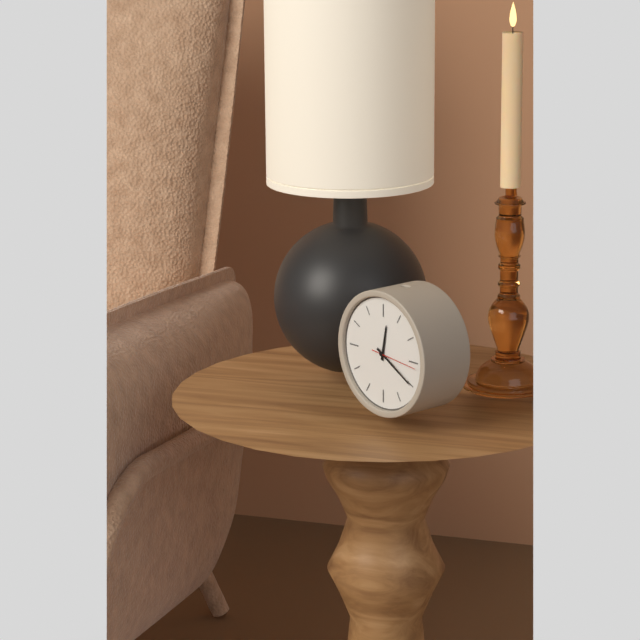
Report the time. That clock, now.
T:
12:20
